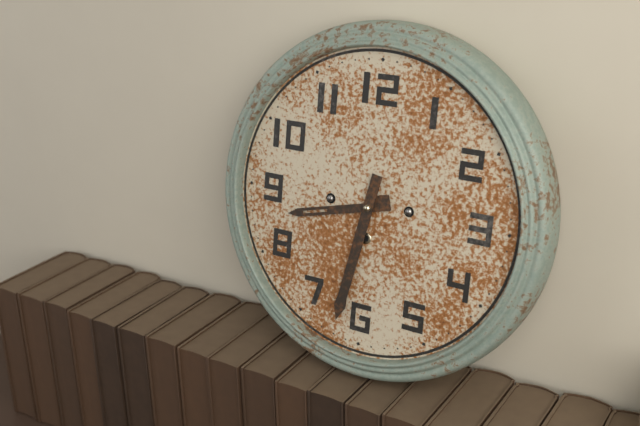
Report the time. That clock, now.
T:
8:32
